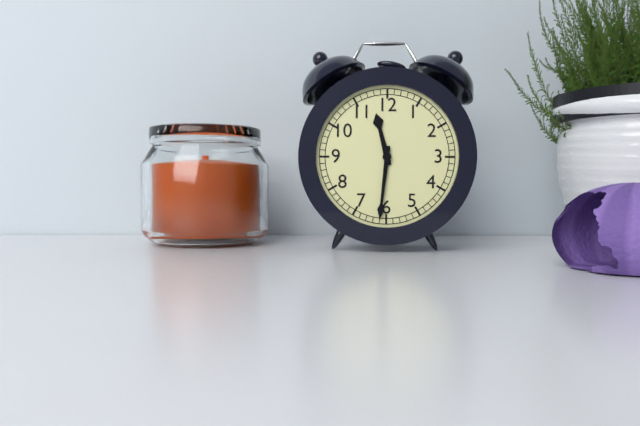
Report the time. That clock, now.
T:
11:31
